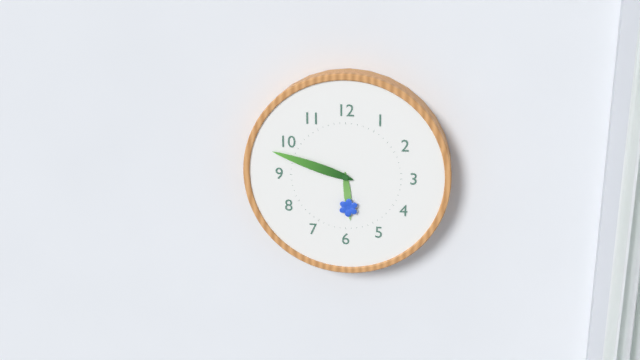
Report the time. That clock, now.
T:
5:48
